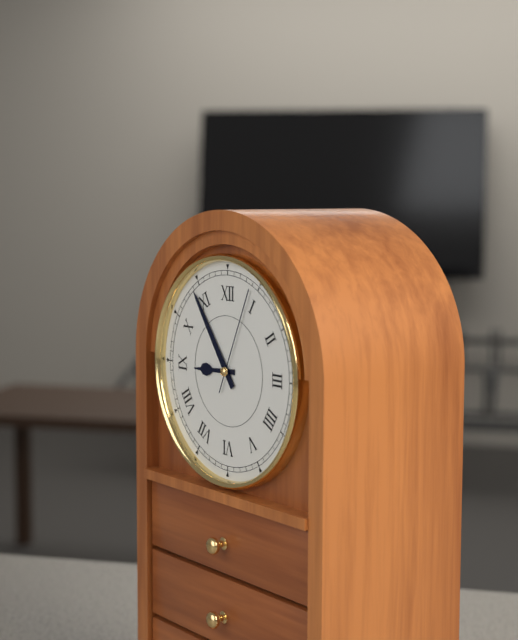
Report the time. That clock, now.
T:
8:54:04
